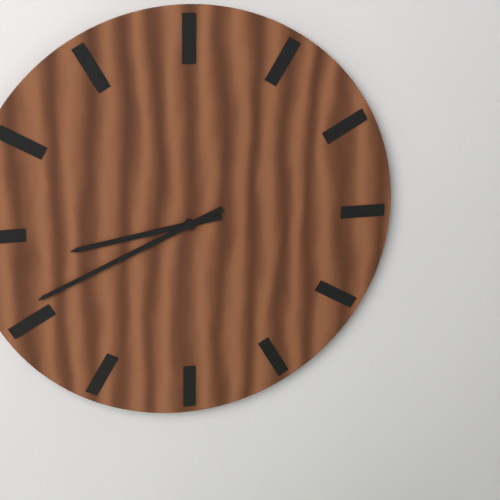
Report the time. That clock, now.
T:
8:41
